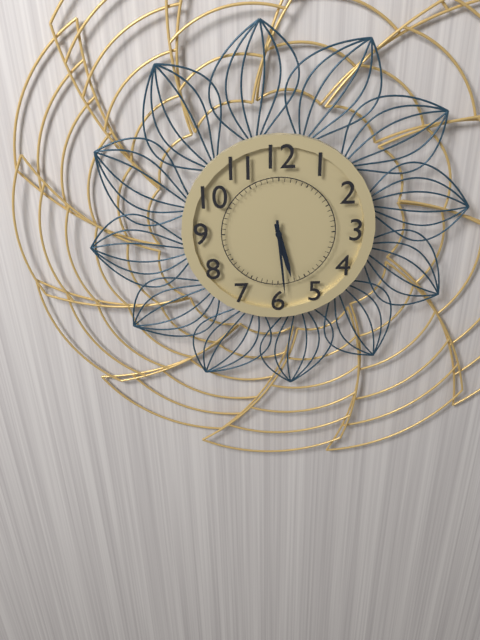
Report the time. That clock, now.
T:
5:29
